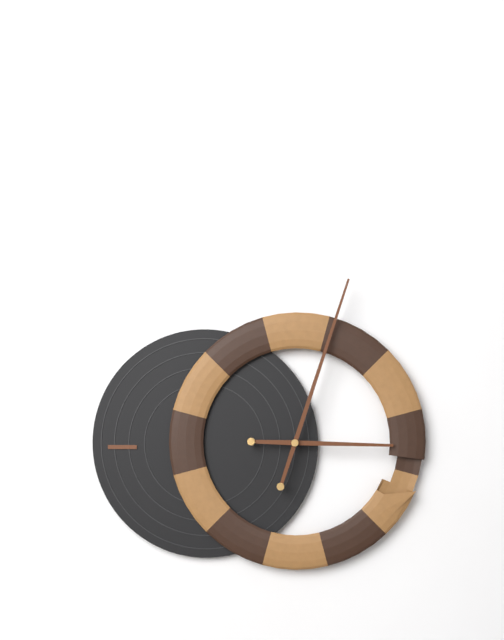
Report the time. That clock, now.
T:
3:03
